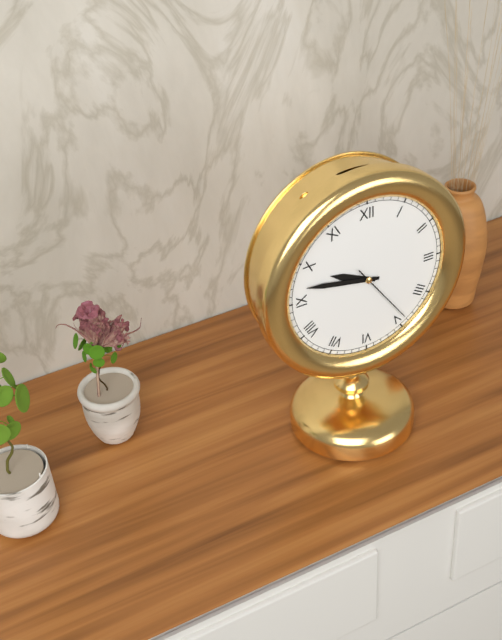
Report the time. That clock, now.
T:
9:47:24
